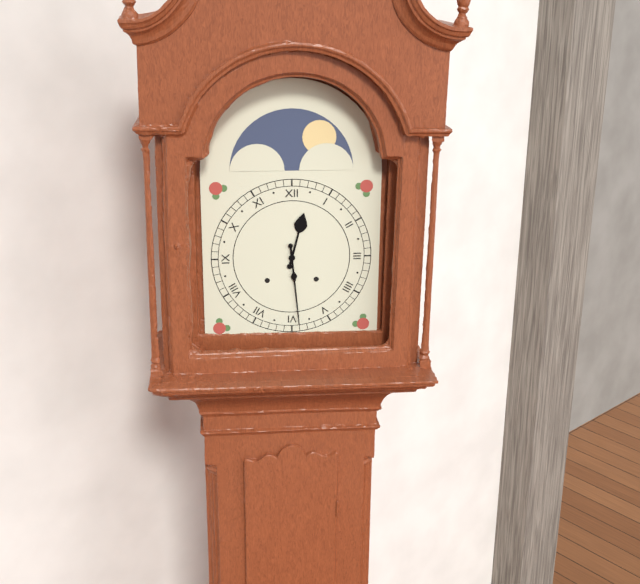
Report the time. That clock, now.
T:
12:29
